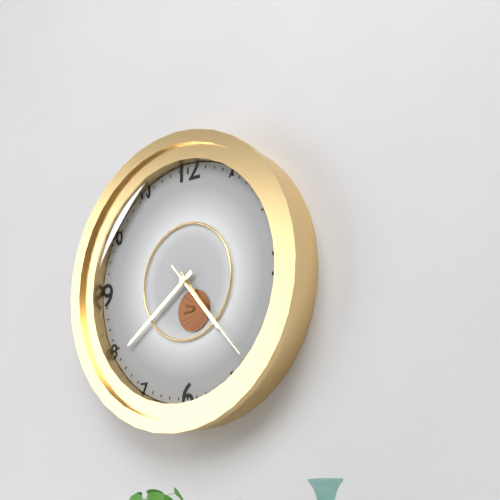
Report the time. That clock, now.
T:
4:39:23
